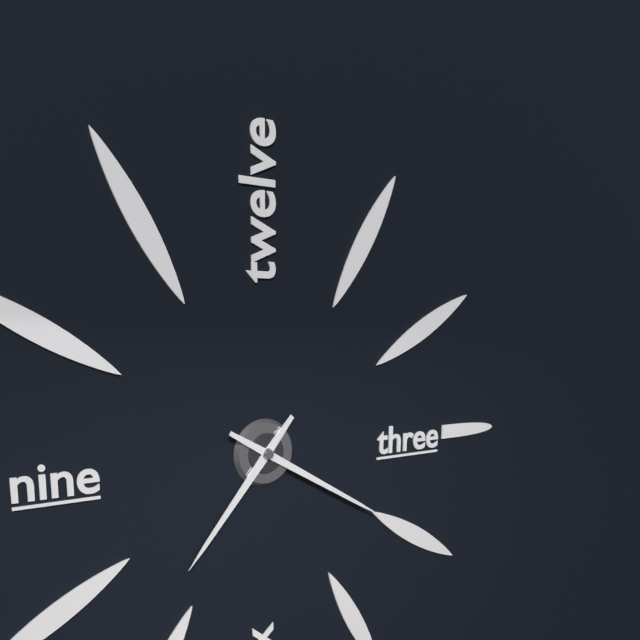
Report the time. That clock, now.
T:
7:20
